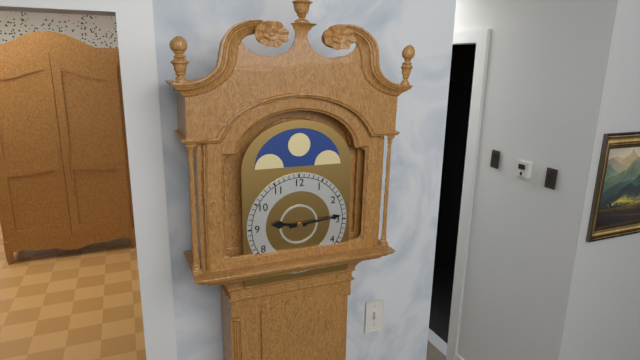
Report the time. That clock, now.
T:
9:14
